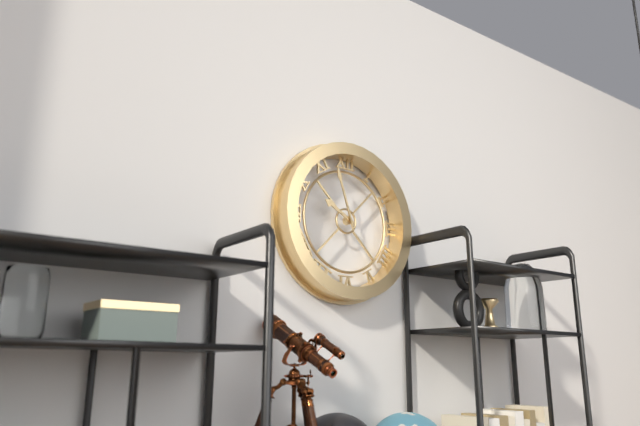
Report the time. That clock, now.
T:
9:57
